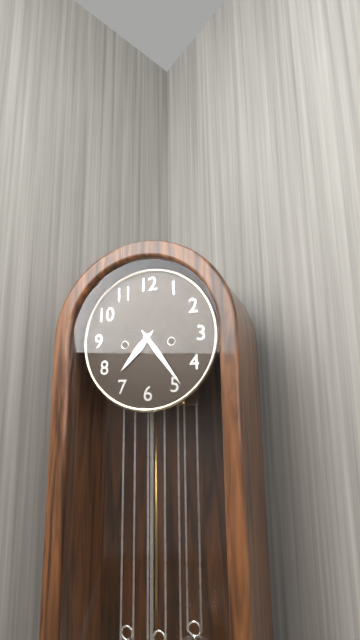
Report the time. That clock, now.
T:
7:24
